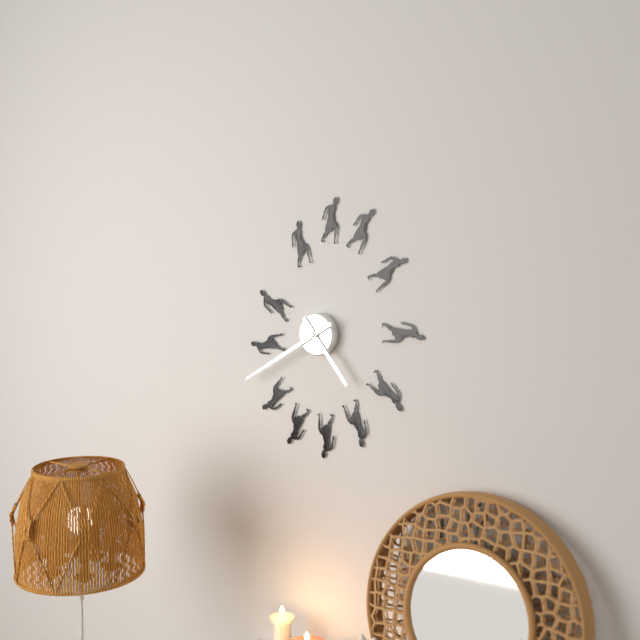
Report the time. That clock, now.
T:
4:40
